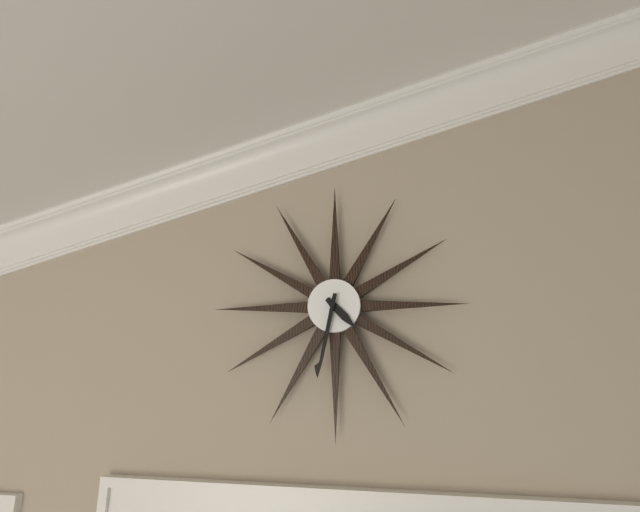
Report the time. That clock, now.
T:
4:32
